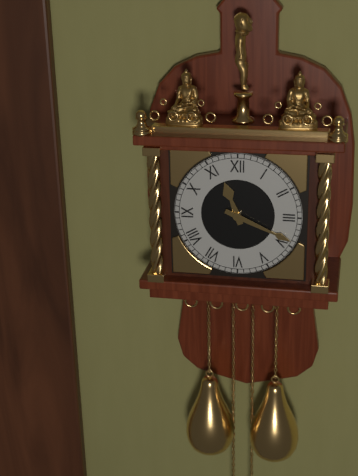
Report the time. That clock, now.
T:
11:19
